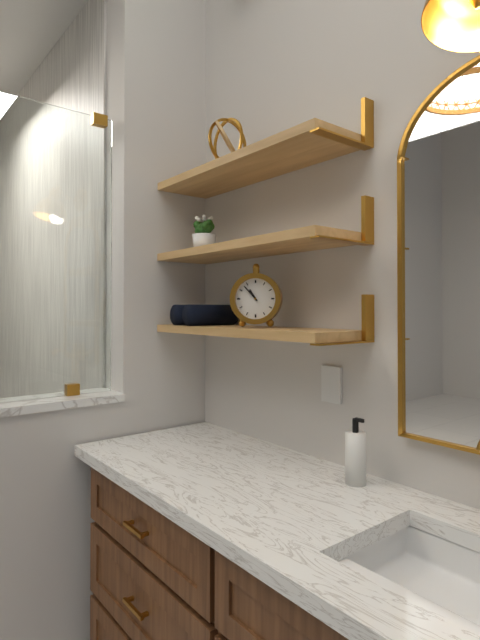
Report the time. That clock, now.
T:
10:53
